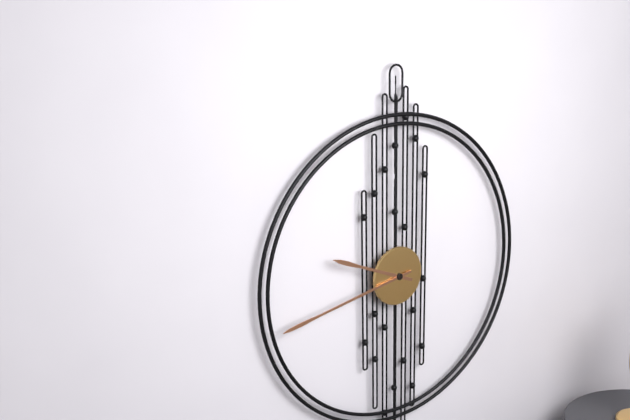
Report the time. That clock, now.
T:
9:43
